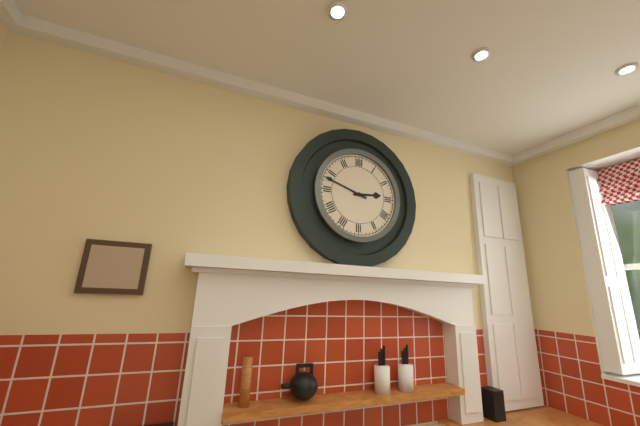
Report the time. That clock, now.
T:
2:48
